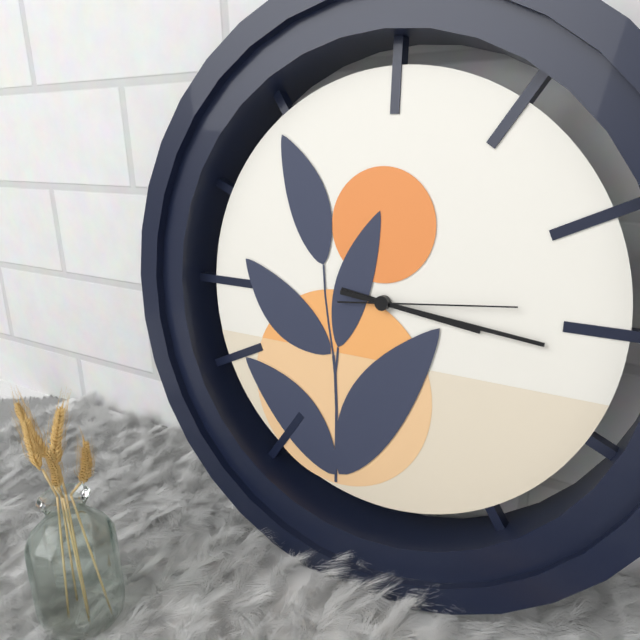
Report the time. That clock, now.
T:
3:16:14
